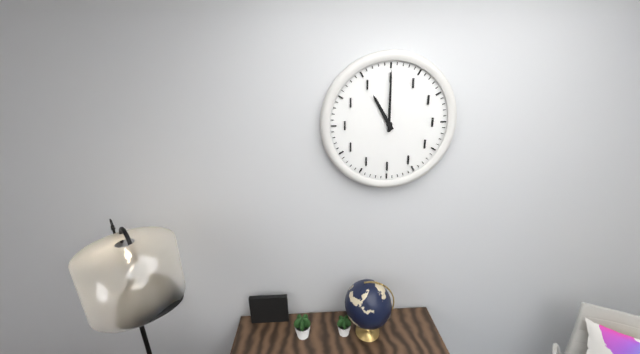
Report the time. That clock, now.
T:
11:00
